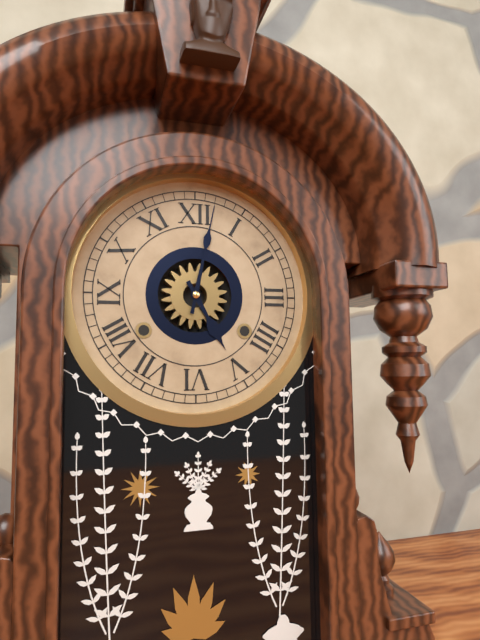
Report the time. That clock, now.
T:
5:02
